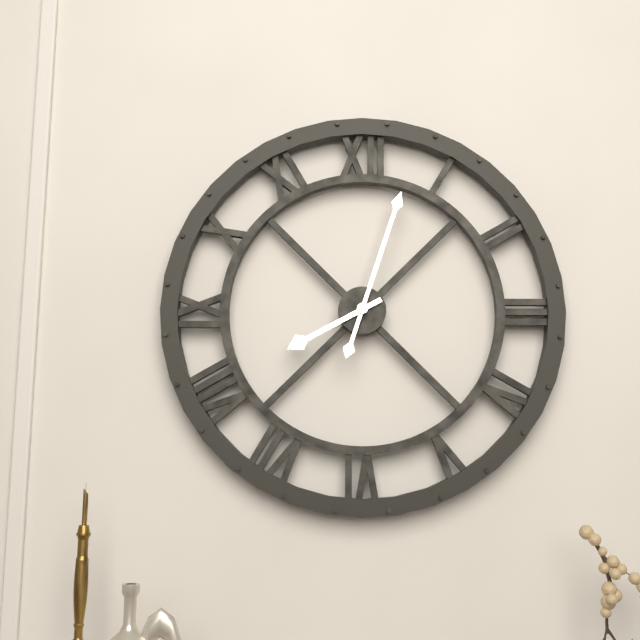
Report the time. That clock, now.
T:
8:03
